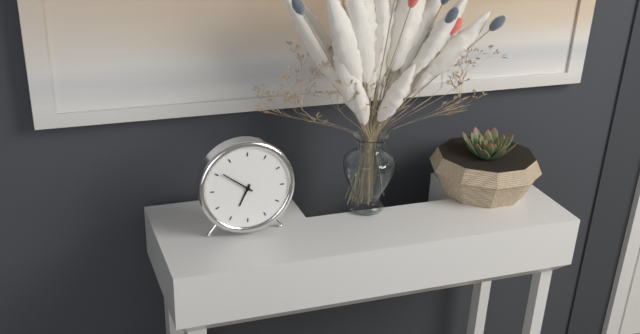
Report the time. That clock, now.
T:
6:51
